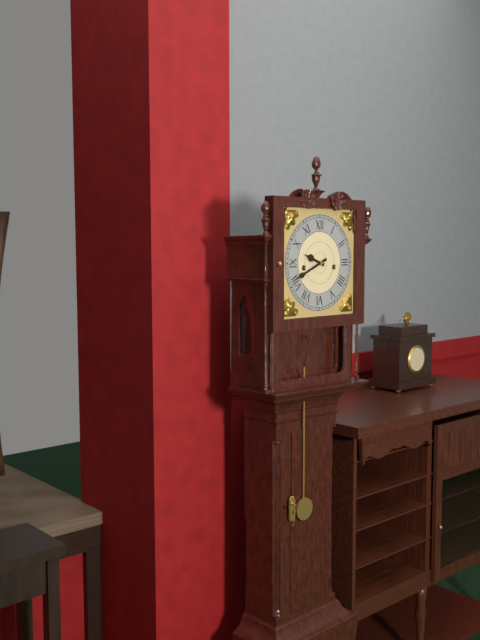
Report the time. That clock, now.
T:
9:41
